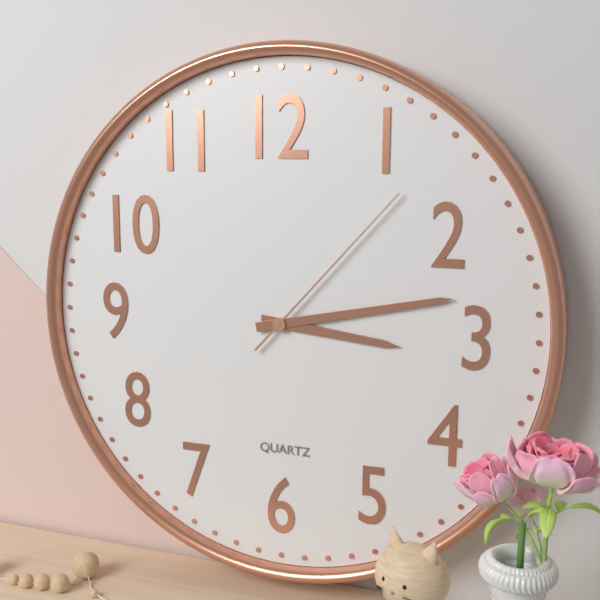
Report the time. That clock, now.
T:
3:13:07
